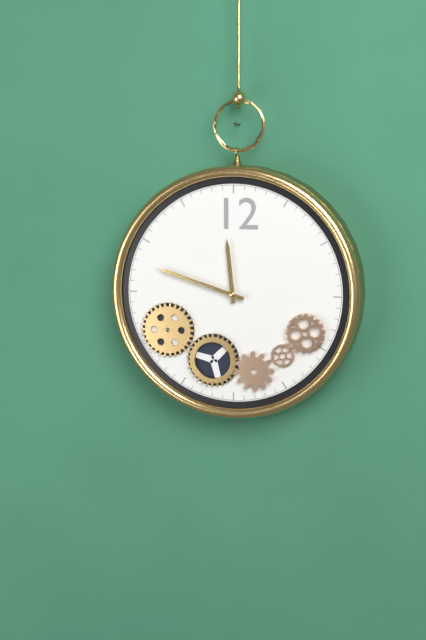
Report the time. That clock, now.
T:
11:48
